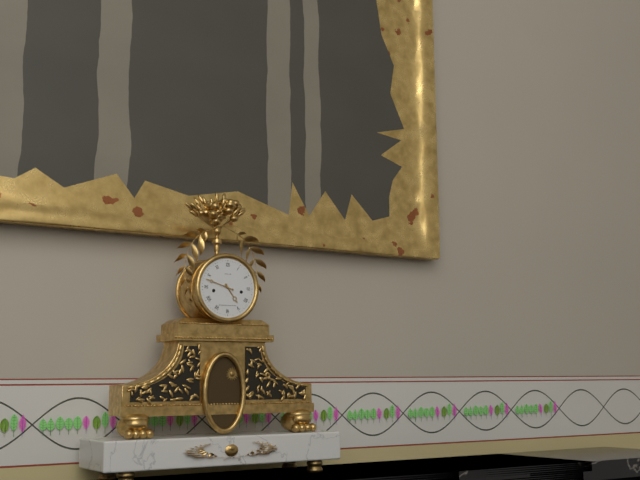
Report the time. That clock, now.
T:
4:48
